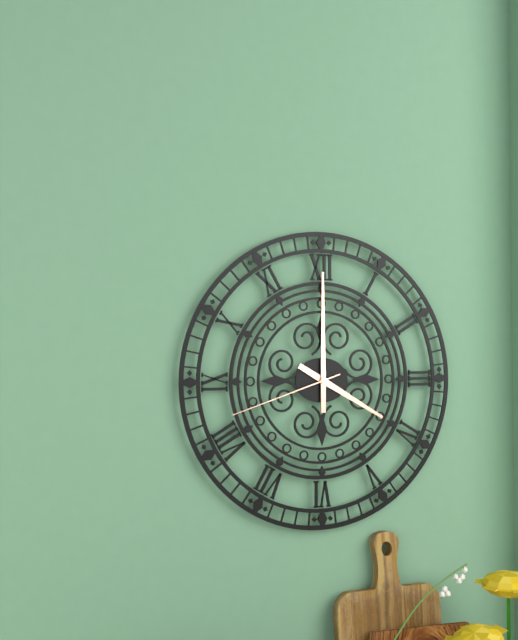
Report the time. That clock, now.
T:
4:00:42
